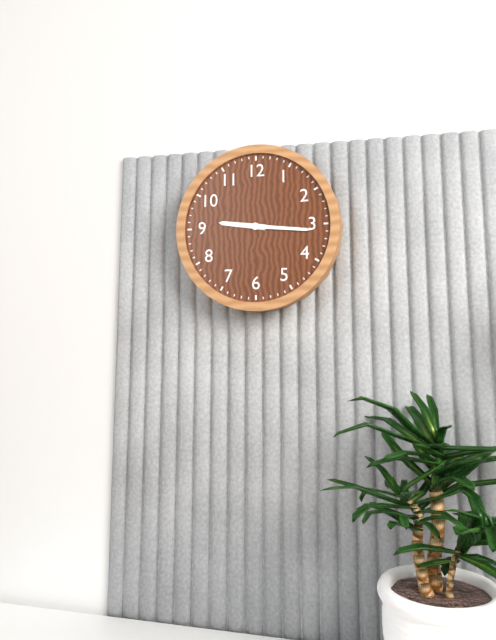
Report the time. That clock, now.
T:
9:16
